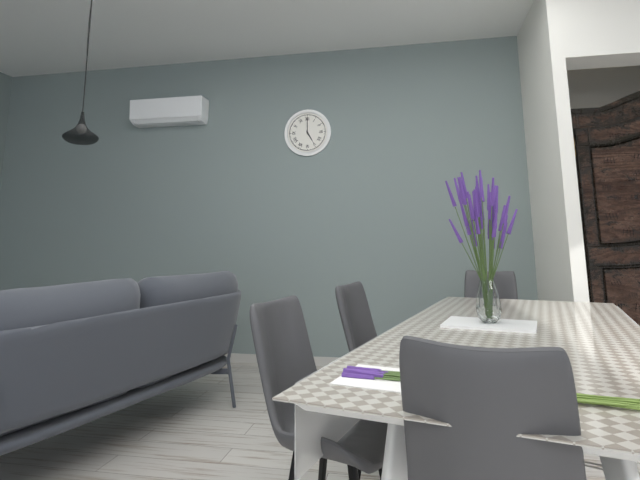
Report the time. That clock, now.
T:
5:00
